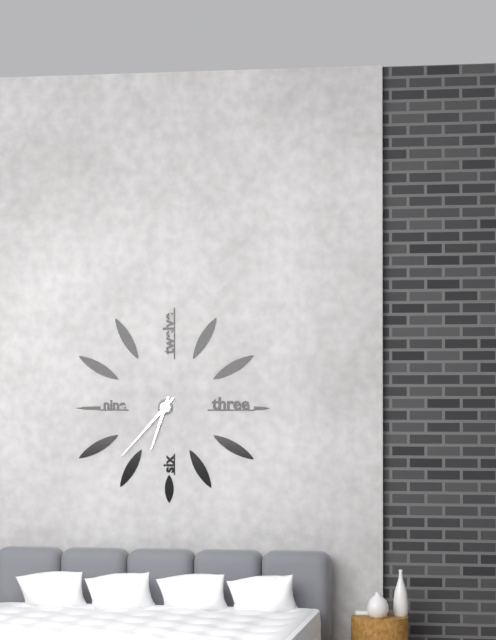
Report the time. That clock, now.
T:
6:37
